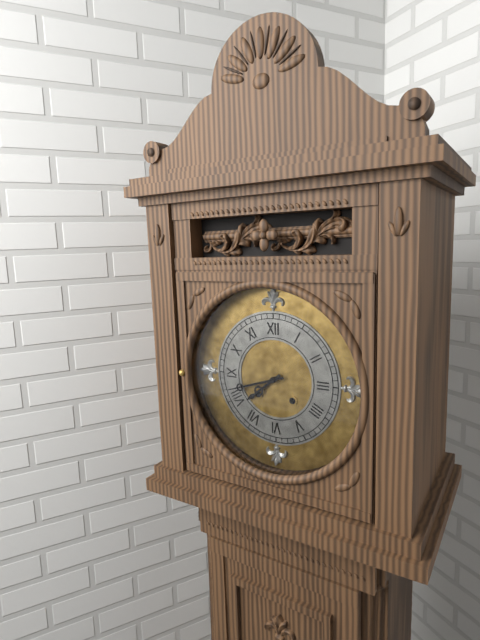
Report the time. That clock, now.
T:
7:42
